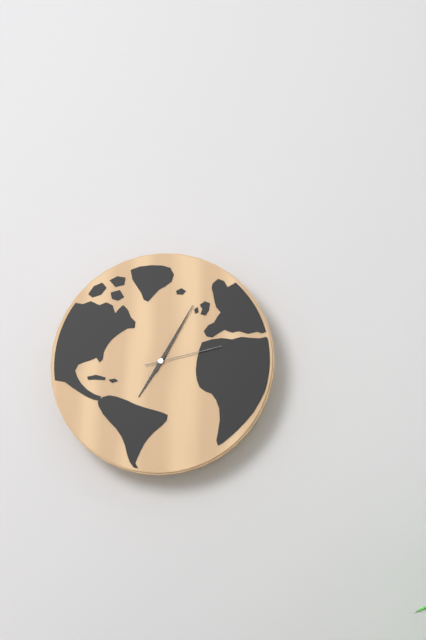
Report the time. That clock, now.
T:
7:05:13
